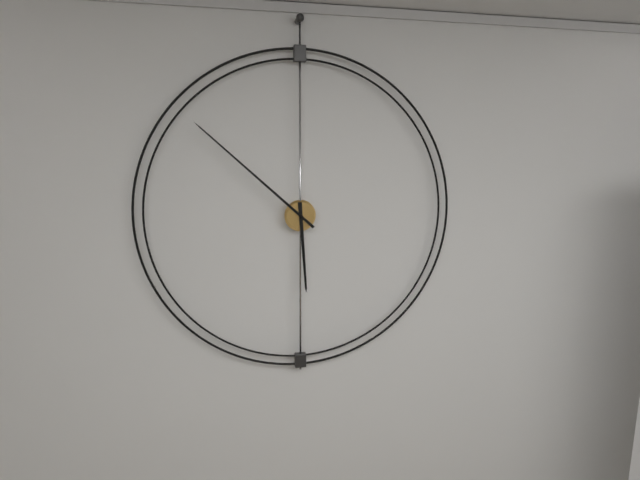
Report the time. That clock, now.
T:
5:52
